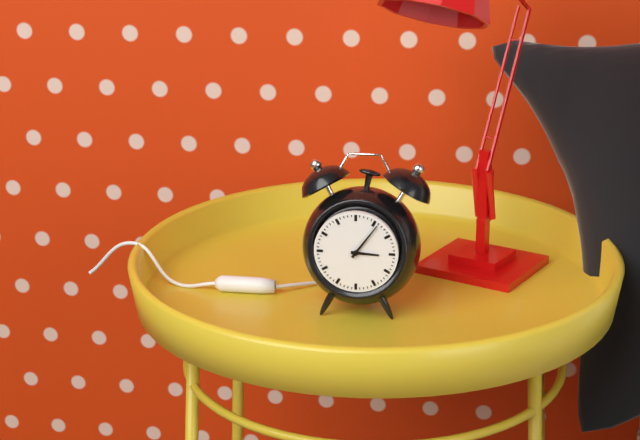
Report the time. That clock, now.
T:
3:06
